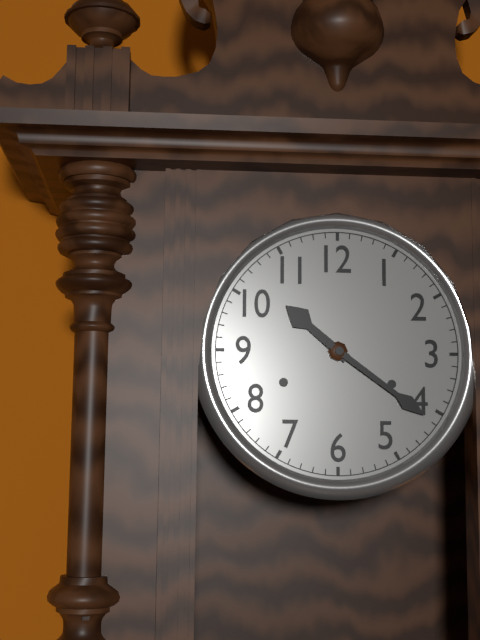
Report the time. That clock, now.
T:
10:21
